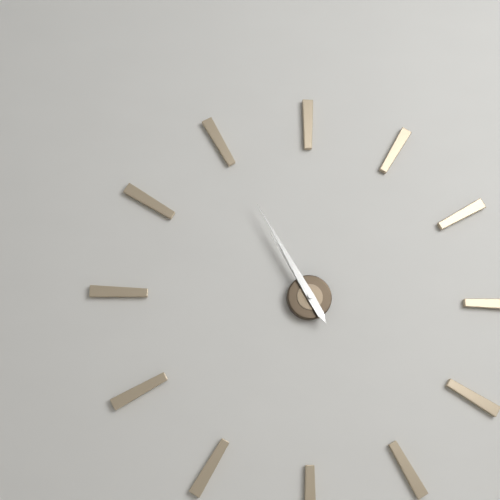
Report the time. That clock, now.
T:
10:55
